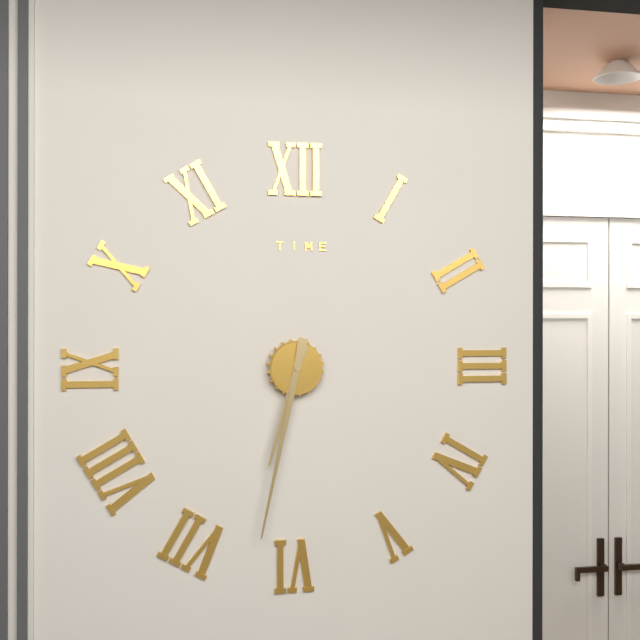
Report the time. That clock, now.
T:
6:32
